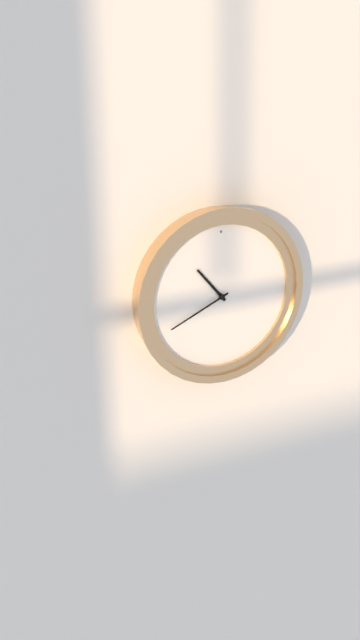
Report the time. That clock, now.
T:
10:41
